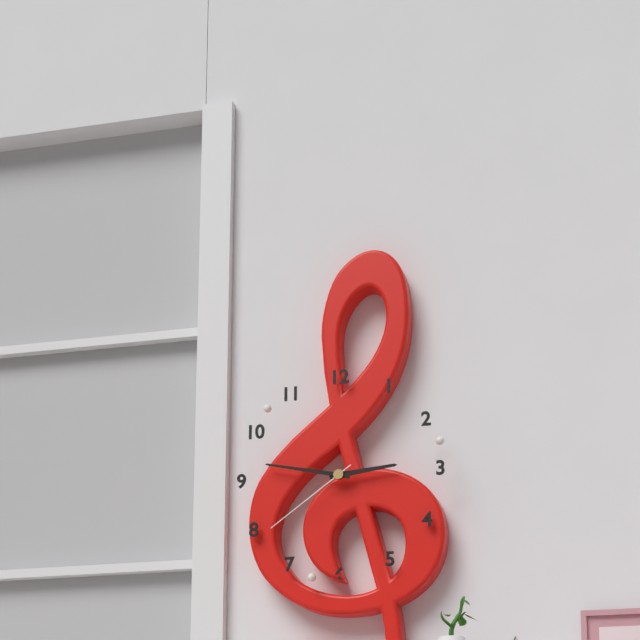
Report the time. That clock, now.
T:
2:47:39
